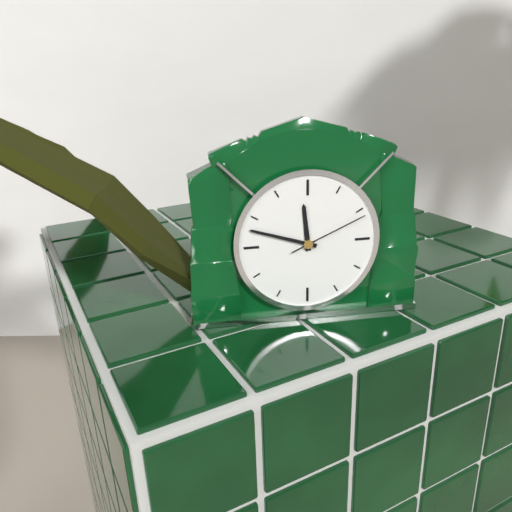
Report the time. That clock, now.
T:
11:48:11
